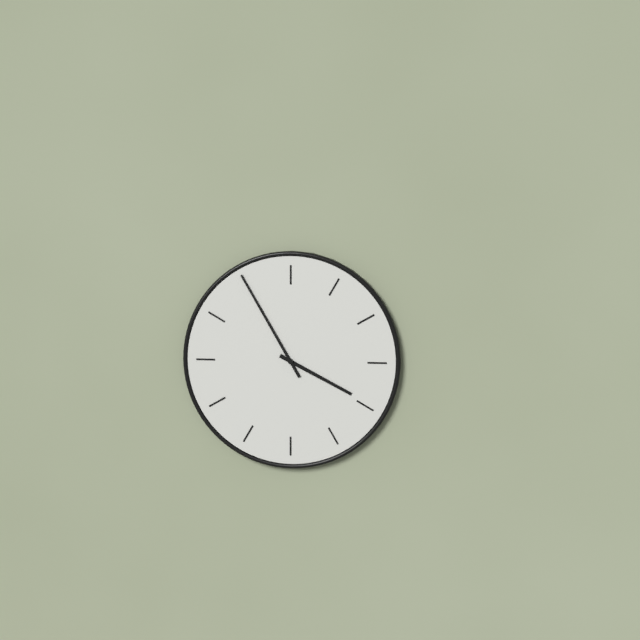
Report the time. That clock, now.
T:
3:55
